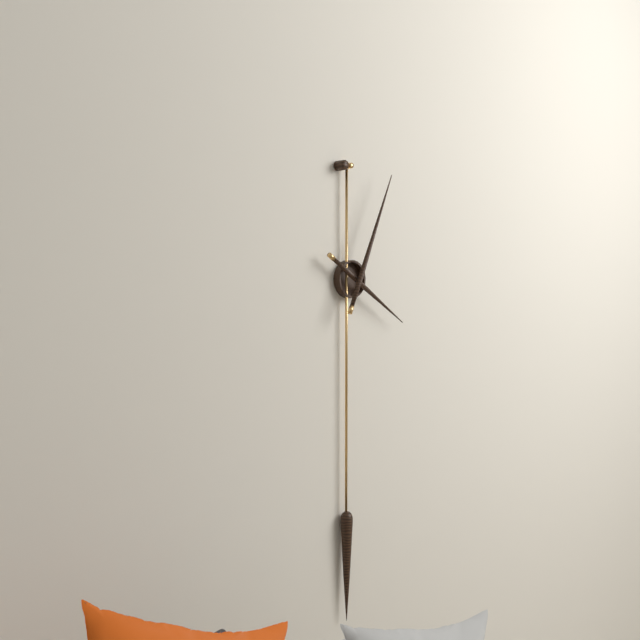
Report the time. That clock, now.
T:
4:04
